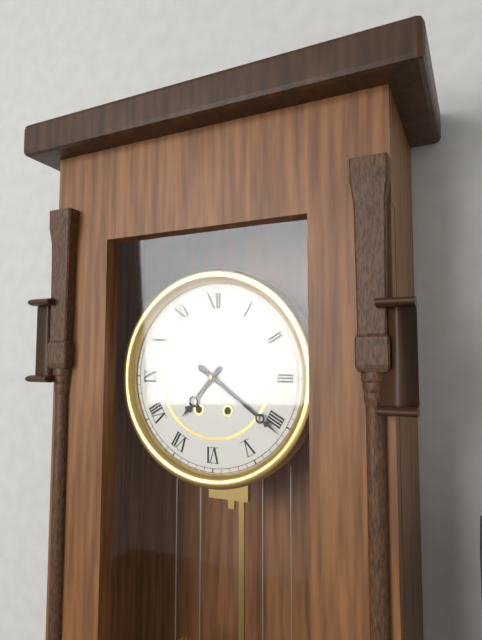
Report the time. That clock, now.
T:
7:21
